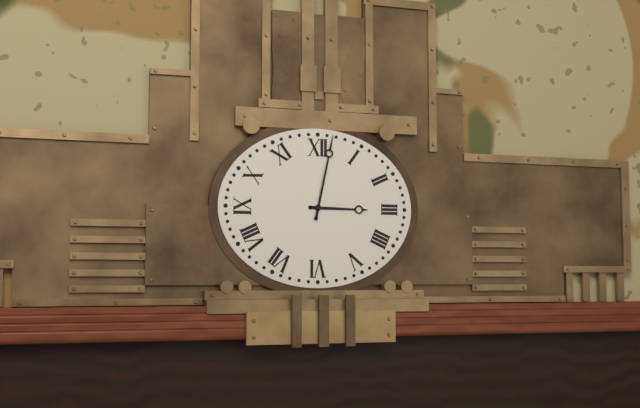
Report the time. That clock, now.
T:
3:02
